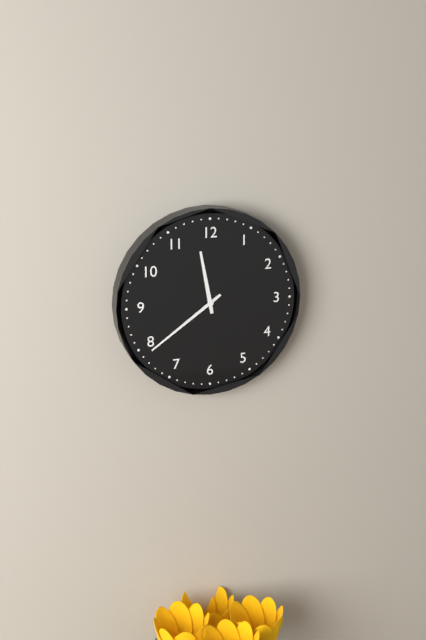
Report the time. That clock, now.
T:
11:39
